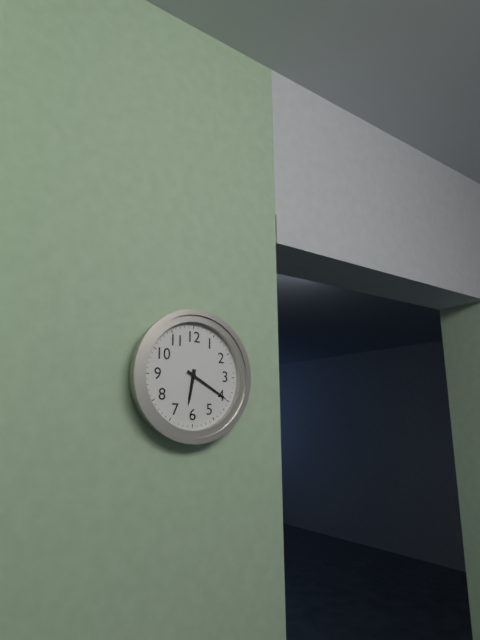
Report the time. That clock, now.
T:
6:20
